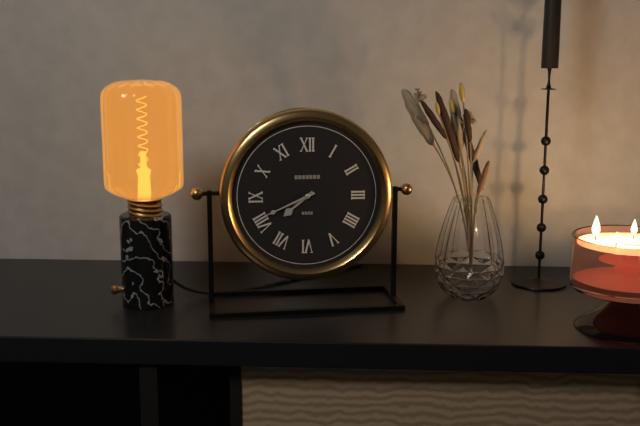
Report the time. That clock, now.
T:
7:41
